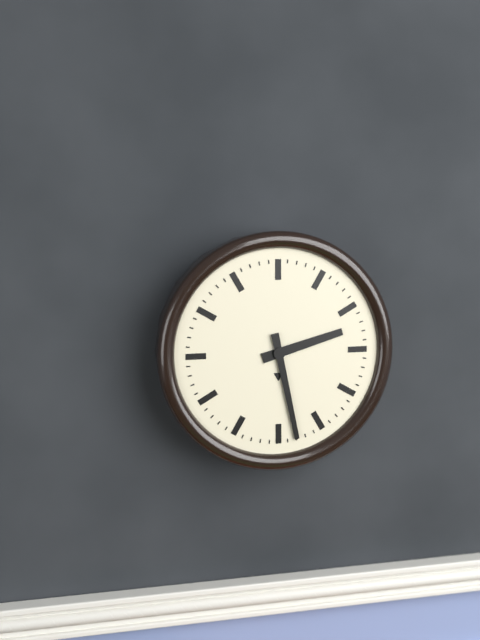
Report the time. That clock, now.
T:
2:28
